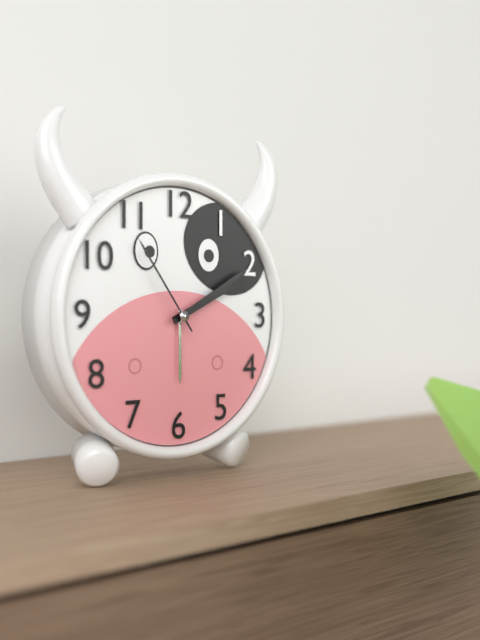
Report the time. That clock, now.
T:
2:10:54
